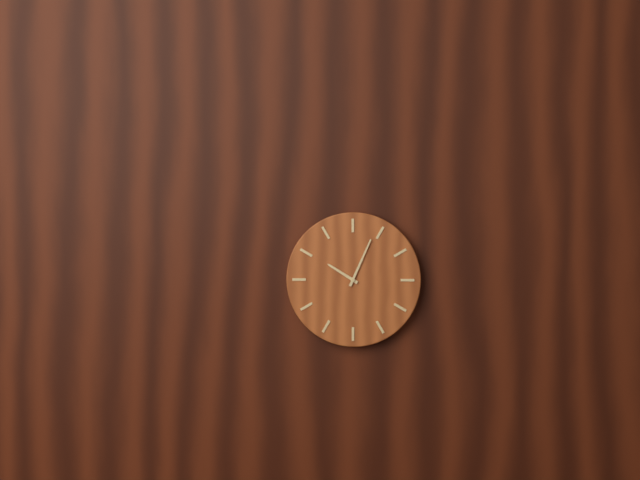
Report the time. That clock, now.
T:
10:04
